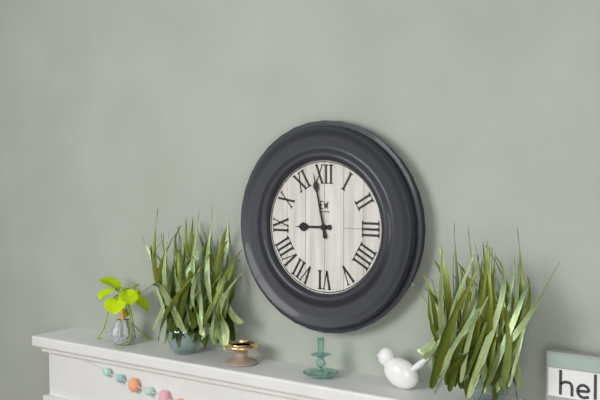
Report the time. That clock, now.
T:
8:58
